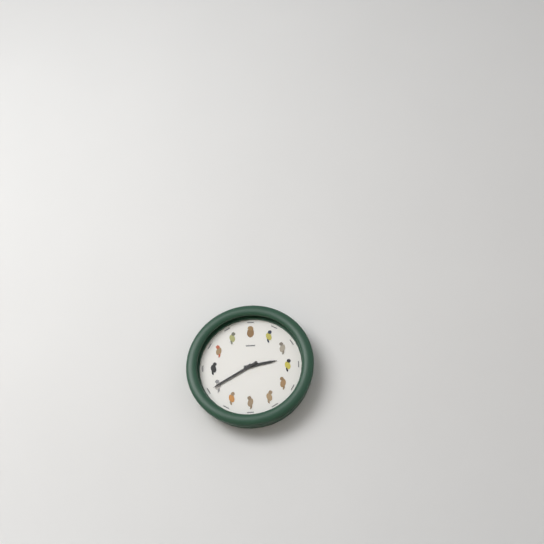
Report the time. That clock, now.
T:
2:40
